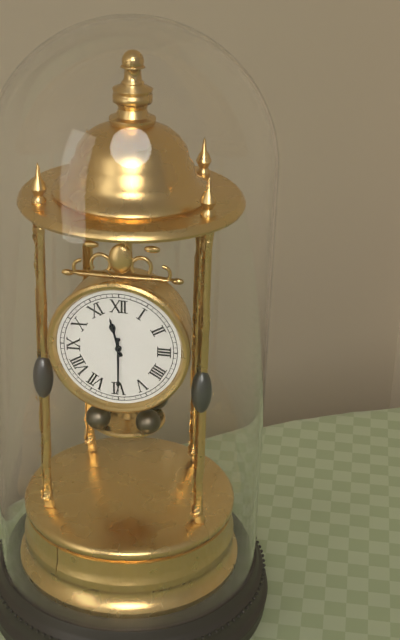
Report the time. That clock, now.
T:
11:30
